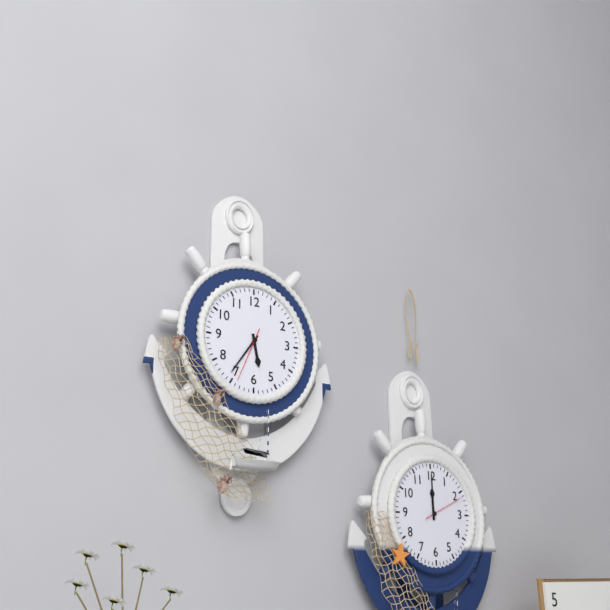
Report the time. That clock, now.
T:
5:36:34
